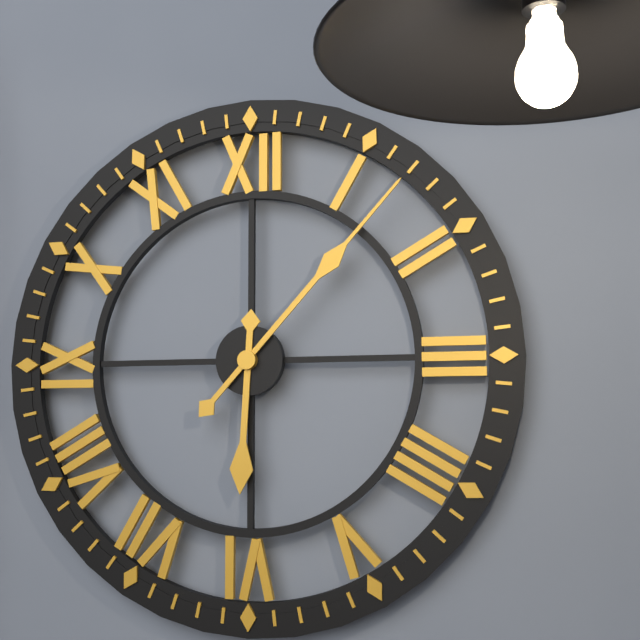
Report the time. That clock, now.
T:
6:07
